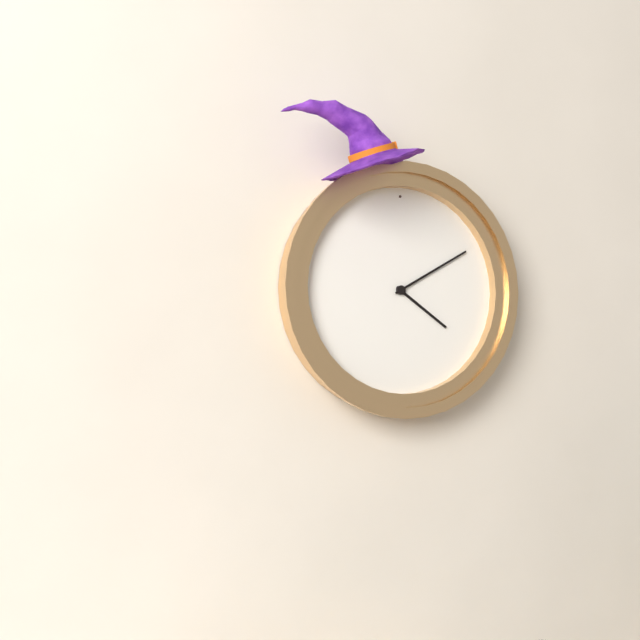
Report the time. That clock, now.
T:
4:10
